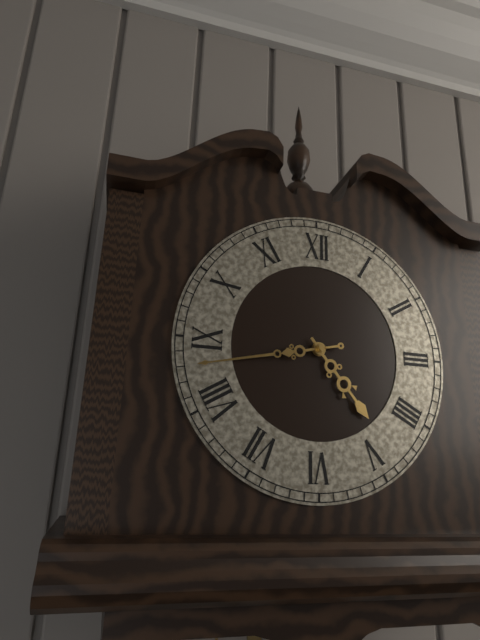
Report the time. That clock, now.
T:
4:43
